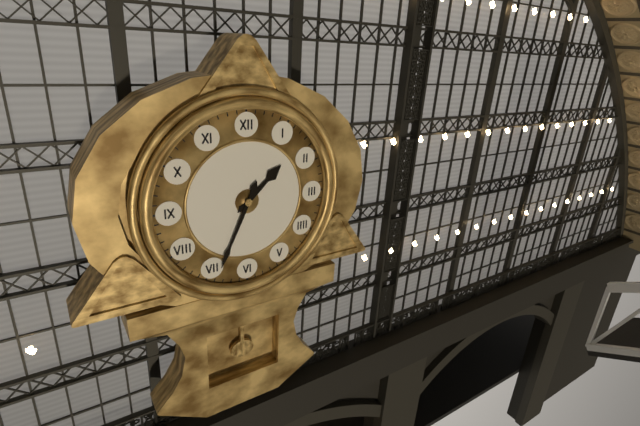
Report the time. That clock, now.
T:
1:34
